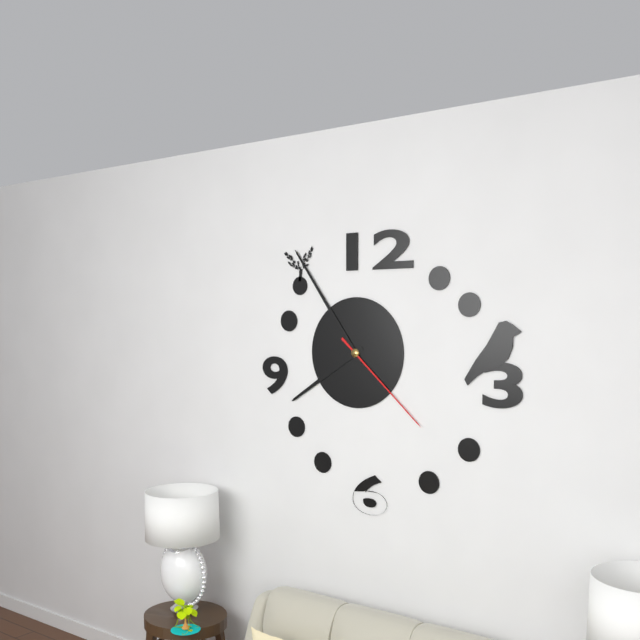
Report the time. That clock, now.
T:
7:54:22
